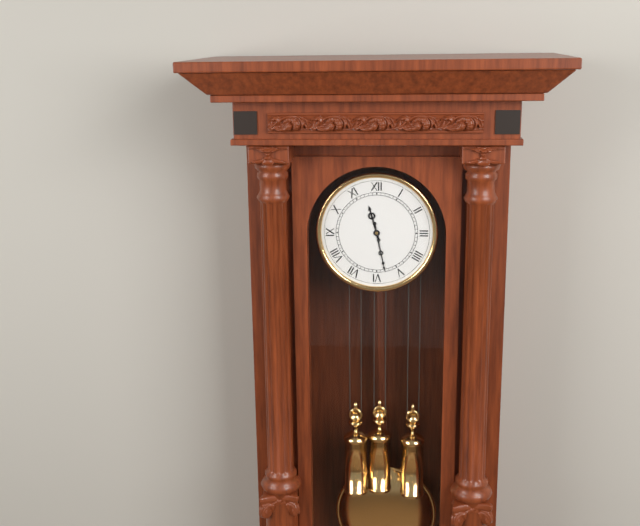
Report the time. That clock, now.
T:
11:28
